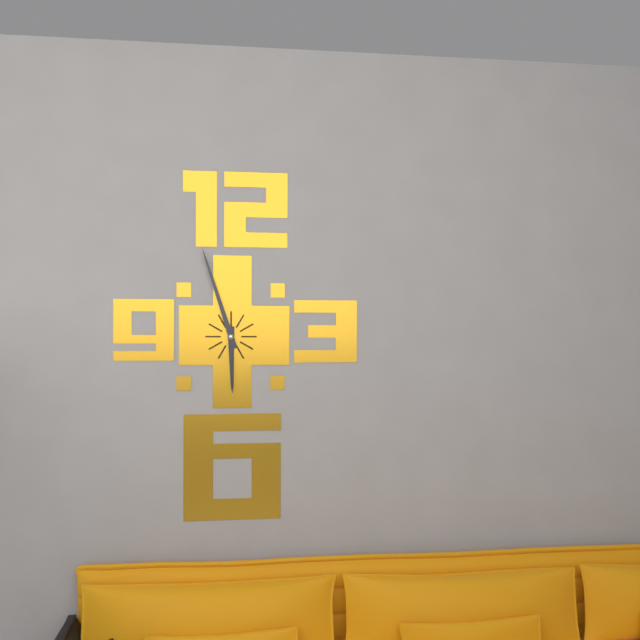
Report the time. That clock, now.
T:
5:57
